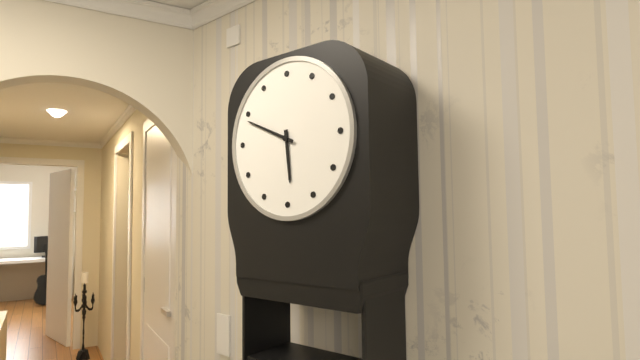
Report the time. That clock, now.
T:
5:49
